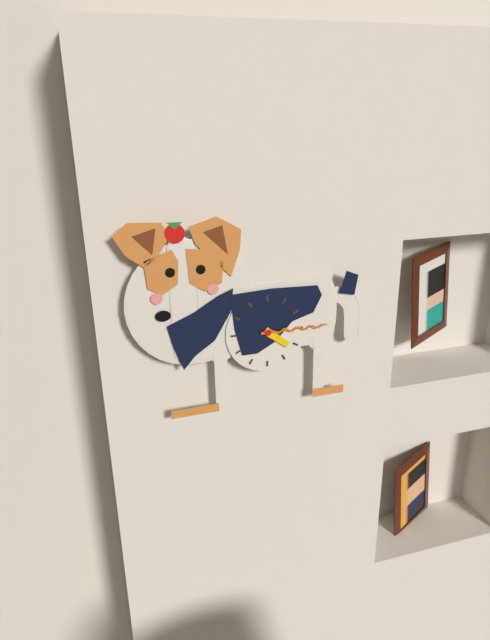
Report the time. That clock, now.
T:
4:15
